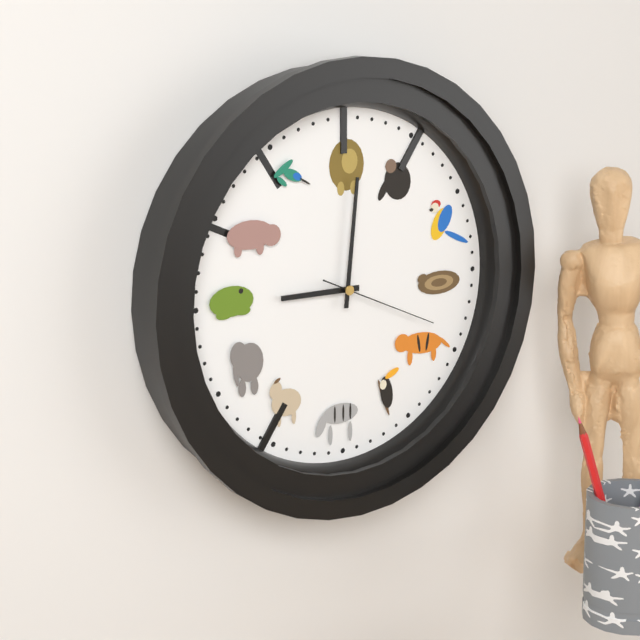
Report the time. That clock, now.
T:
9:01:19
